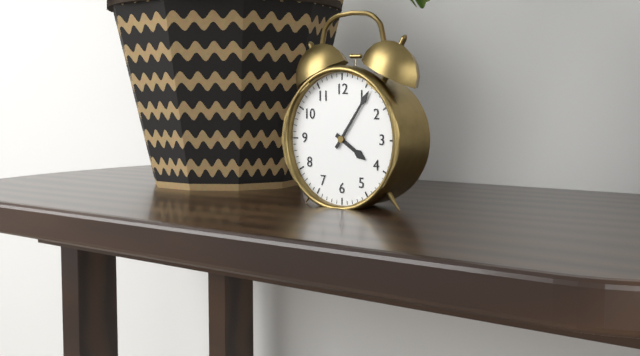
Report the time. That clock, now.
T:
4:06
